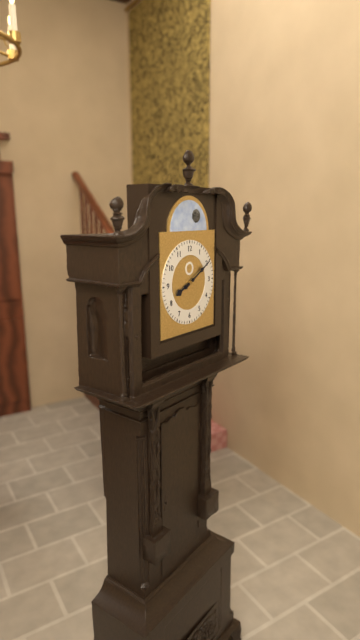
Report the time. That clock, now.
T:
8:10
